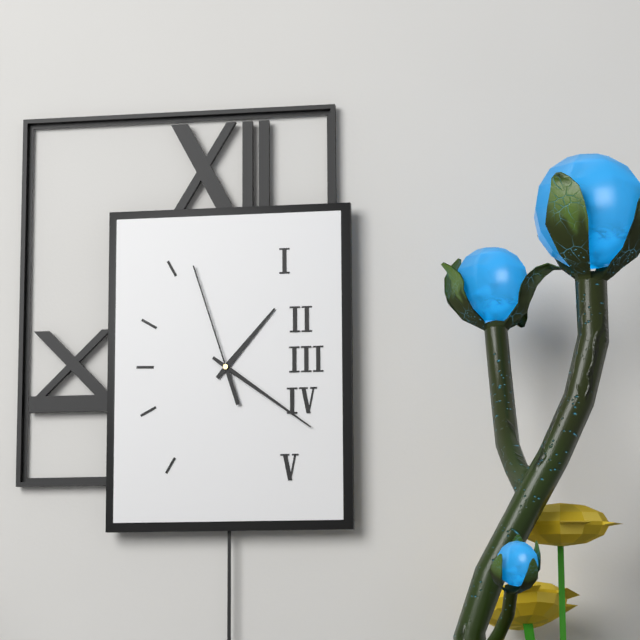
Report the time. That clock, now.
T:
1:21:57
